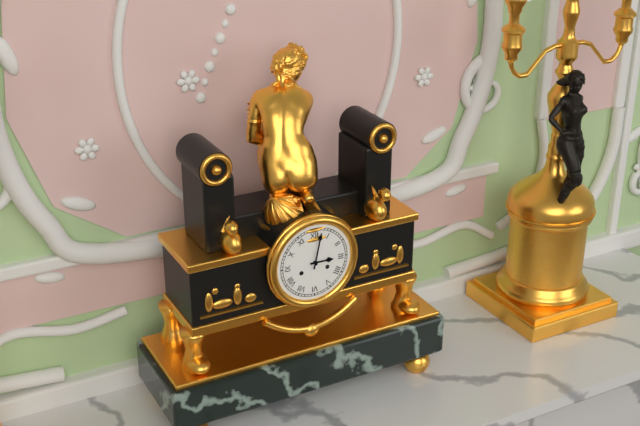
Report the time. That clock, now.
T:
3:02
